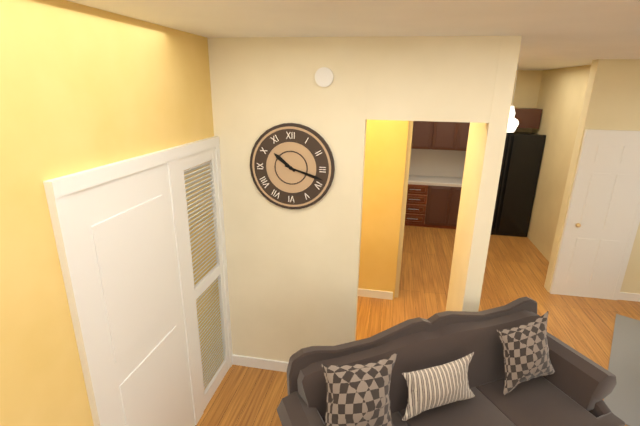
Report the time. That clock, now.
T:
10:18
